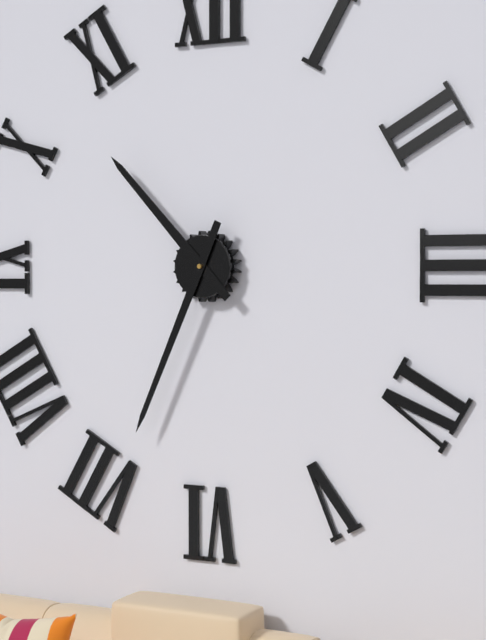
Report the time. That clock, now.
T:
10:34
